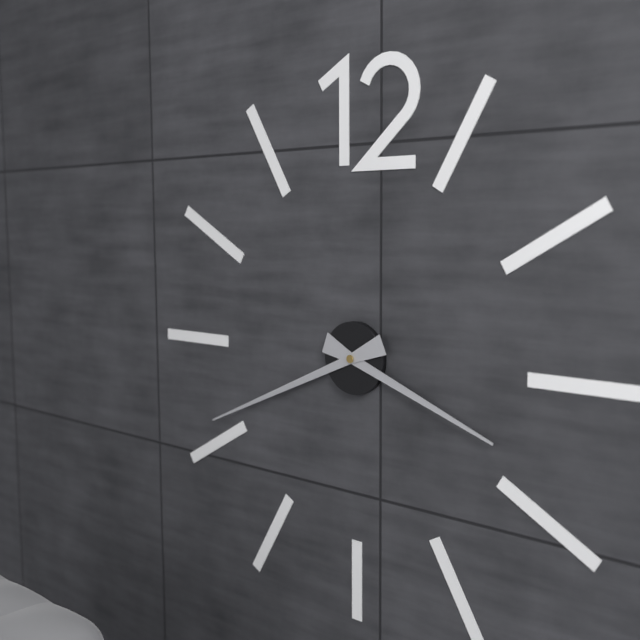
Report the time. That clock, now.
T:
3:41
